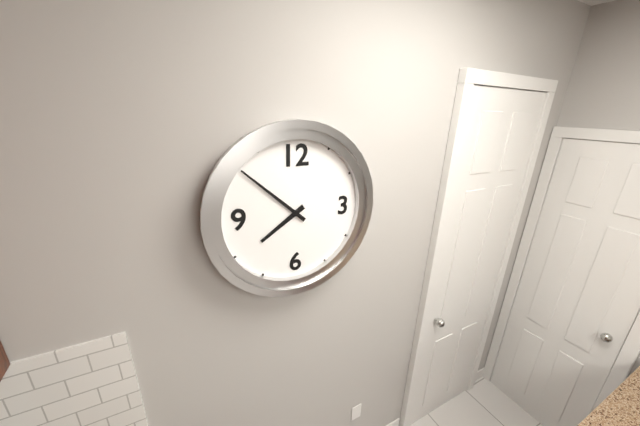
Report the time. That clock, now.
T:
7:52
